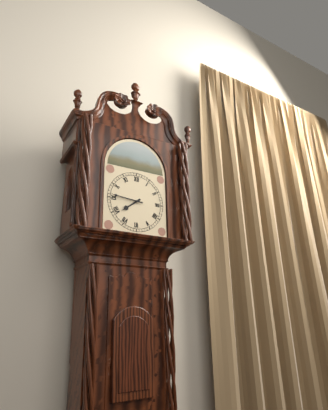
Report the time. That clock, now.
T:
7:46
